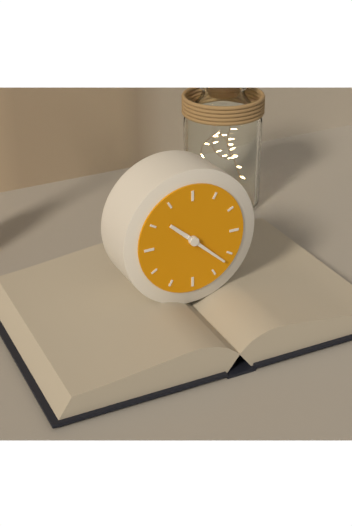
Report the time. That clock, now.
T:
10:22
